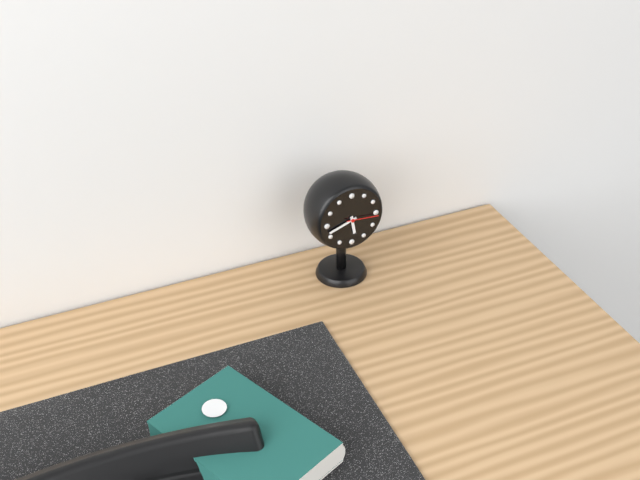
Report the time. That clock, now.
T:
5:42
